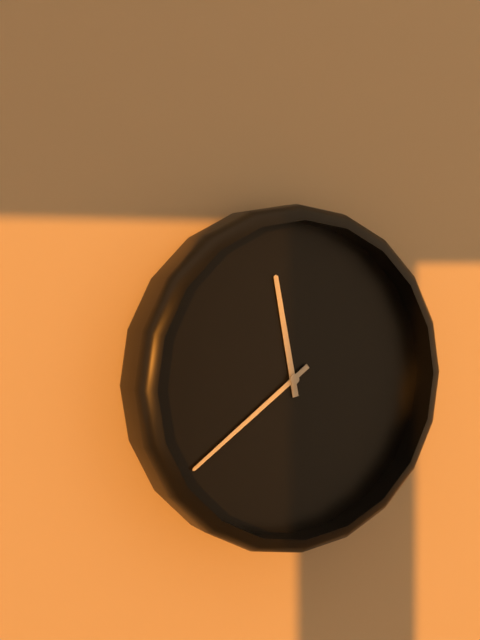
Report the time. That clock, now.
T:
11:39
